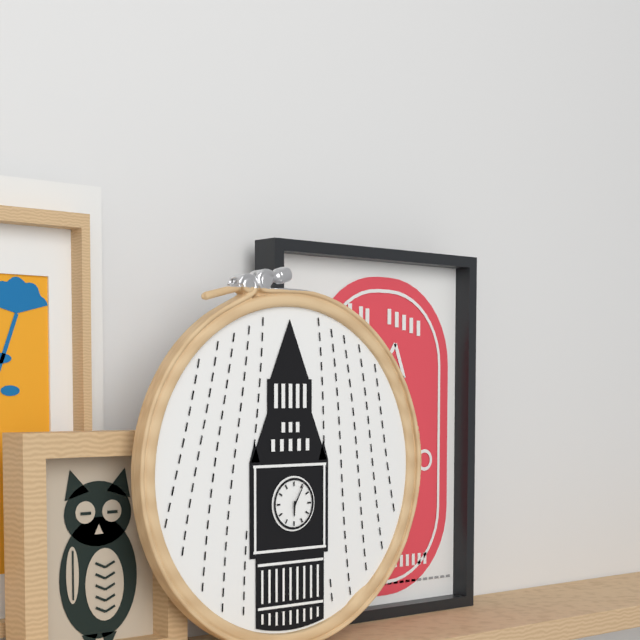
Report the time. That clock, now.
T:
6:05
